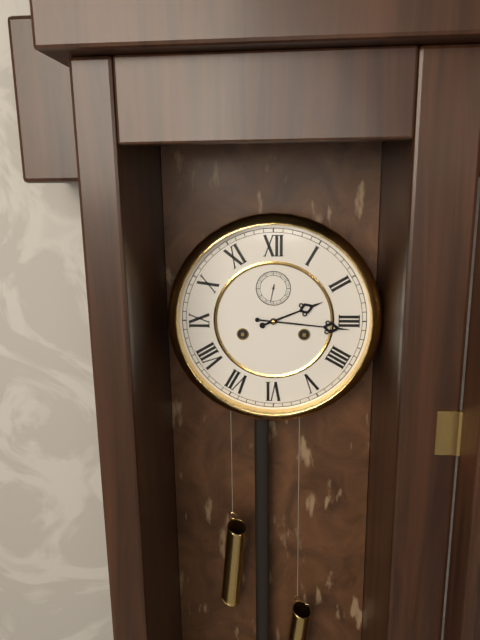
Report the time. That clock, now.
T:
2:16
